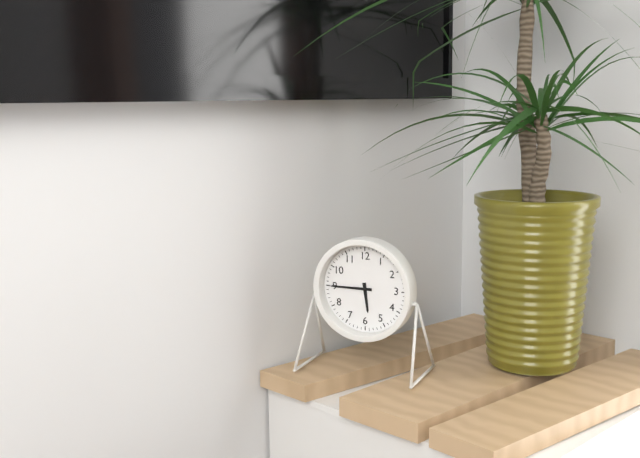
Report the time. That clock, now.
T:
5:45
